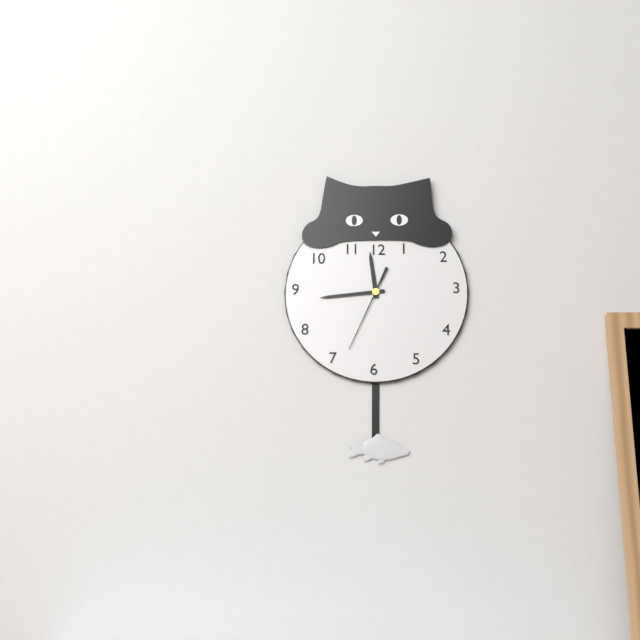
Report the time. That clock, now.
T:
11:44:34
